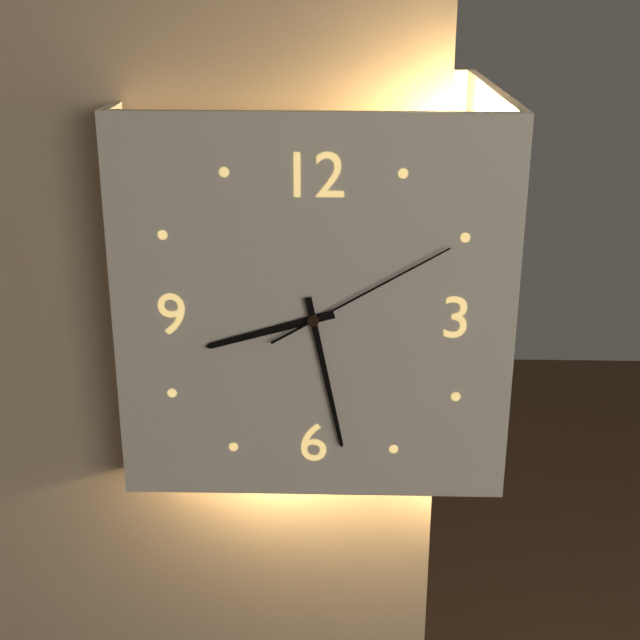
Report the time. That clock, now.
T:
8:28:10
